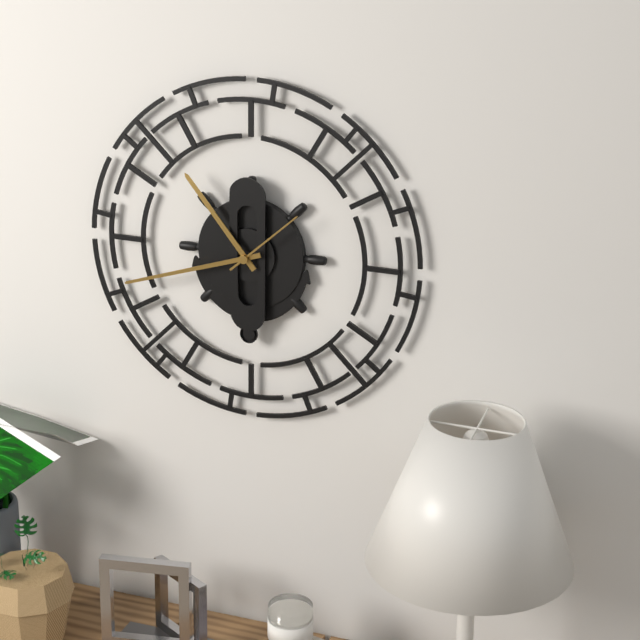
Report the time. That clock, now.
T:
10:42:08
